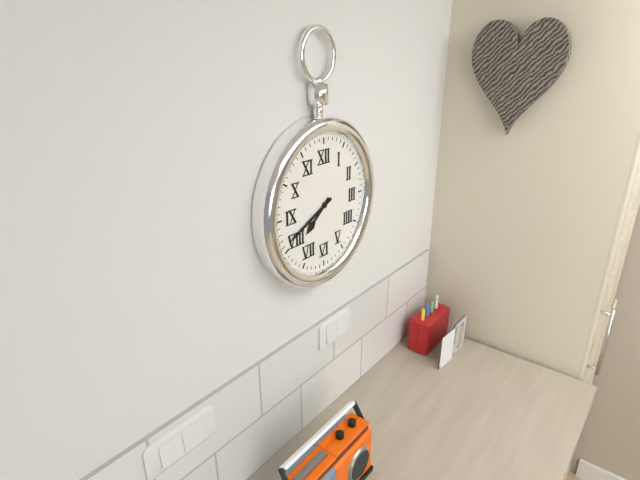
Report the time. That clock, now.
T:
7:41
